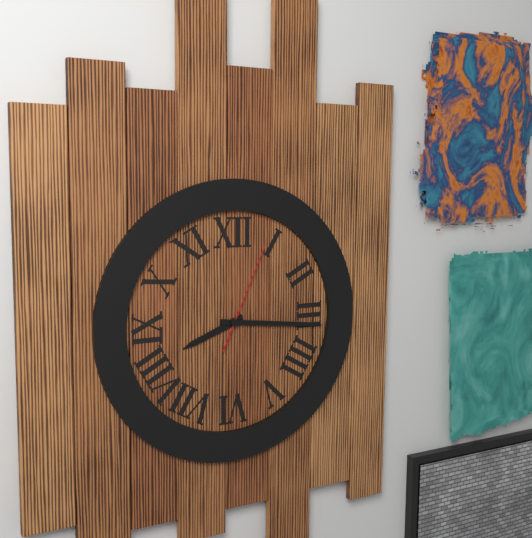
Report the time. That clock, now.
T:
8:16:04
